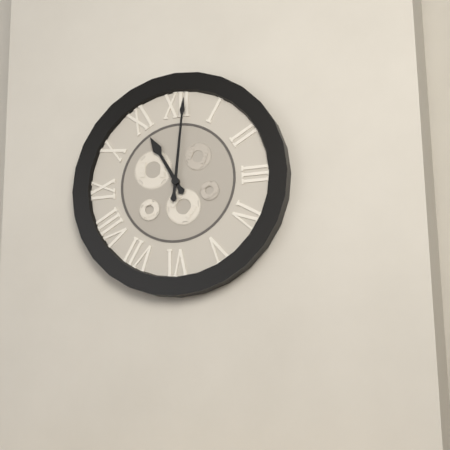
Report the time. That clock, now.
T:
11:01
